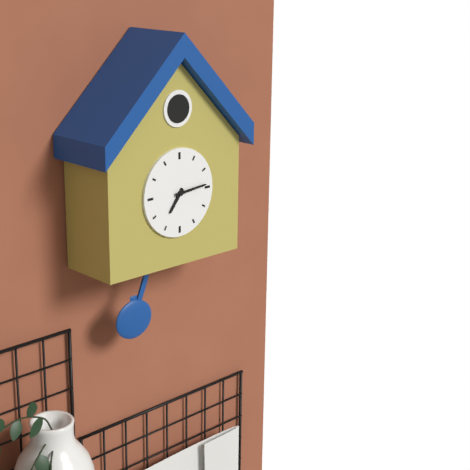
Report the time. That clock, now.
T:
7:14
